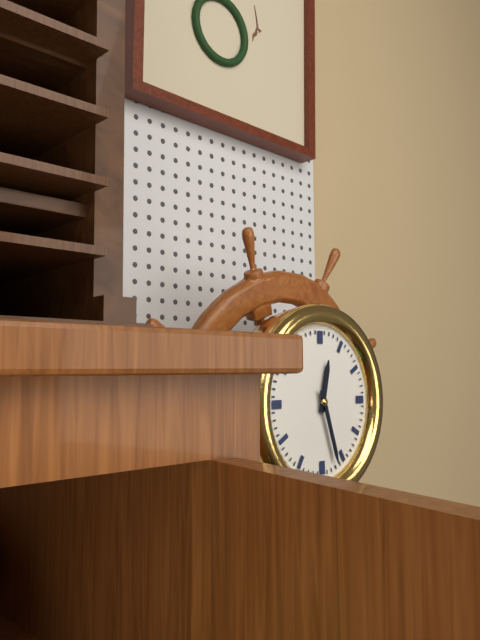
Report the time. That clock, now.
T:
12:27
